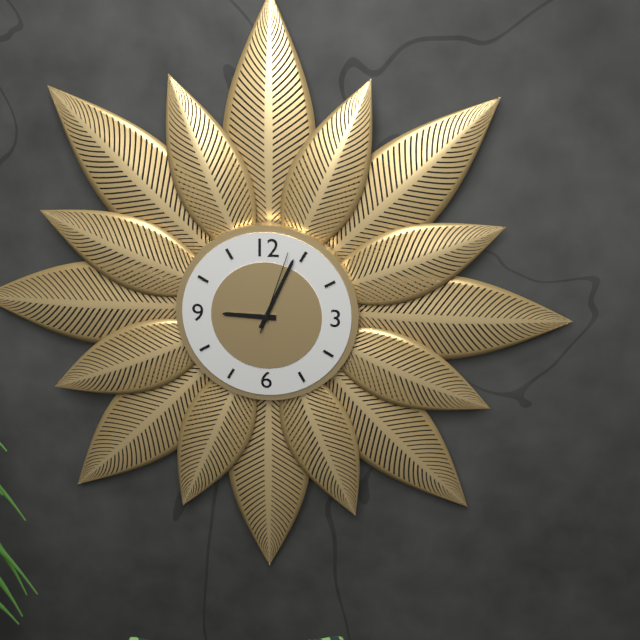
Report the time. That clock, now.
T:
9:04:03
